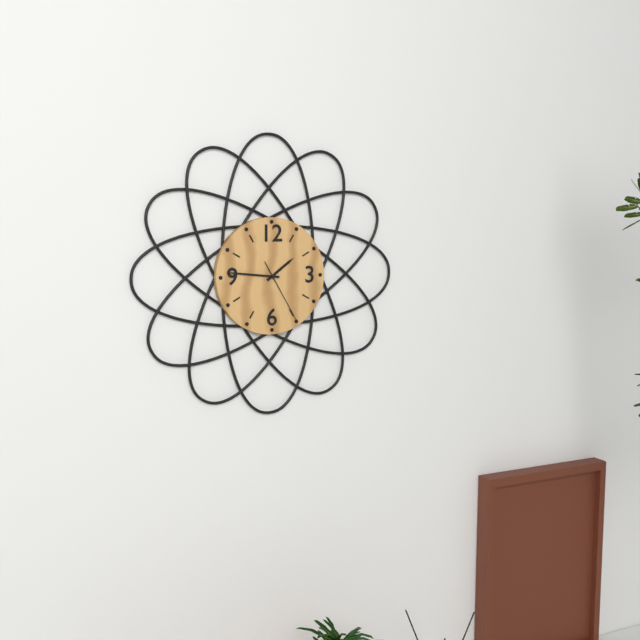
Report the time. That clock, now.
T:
1:46:25
